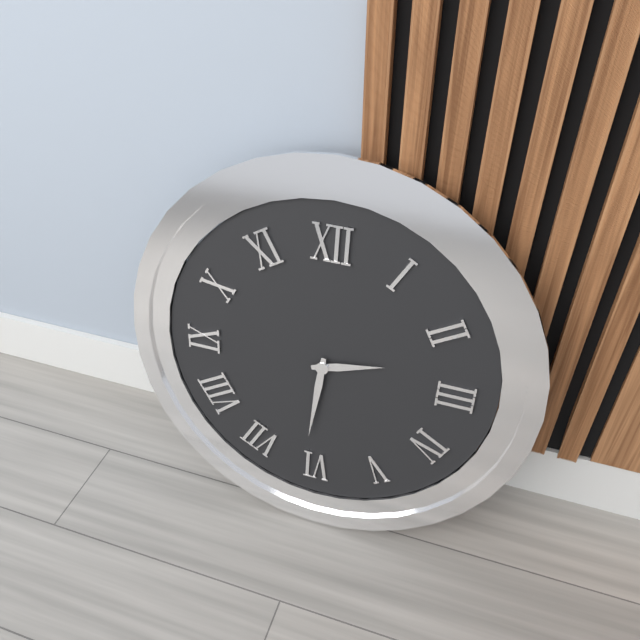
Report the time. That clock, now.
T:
2:31
